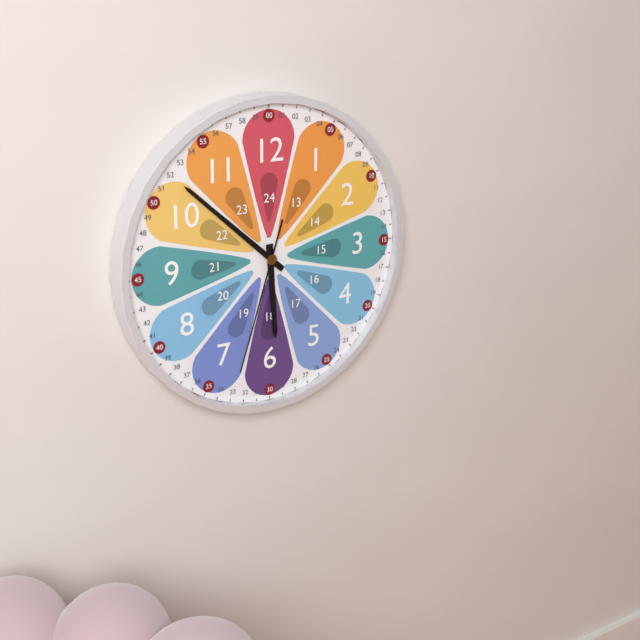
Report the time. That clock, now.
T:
5:52:33
